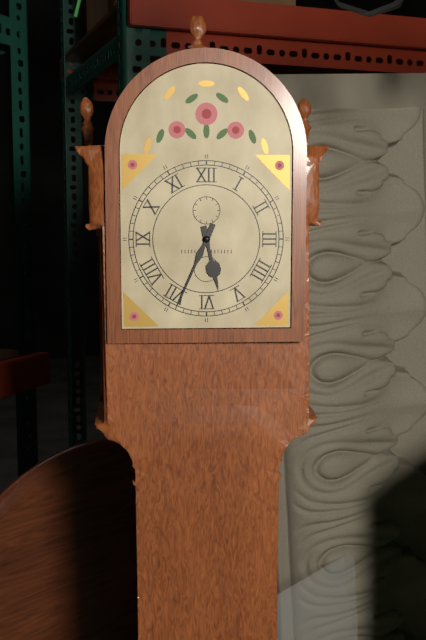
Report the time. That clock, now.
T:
5:34
